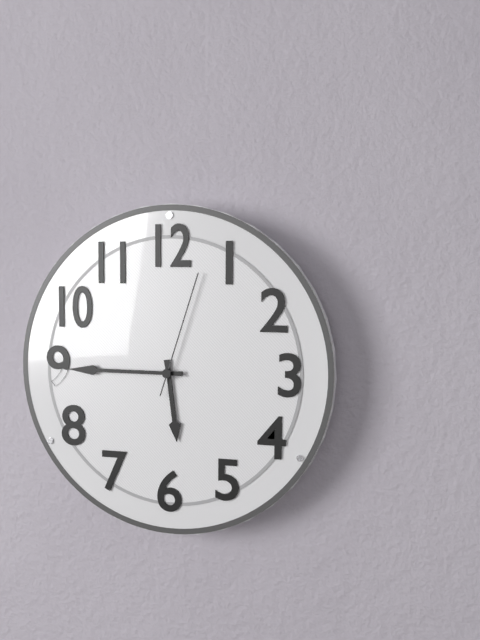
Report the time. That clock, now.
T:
5:45:03
